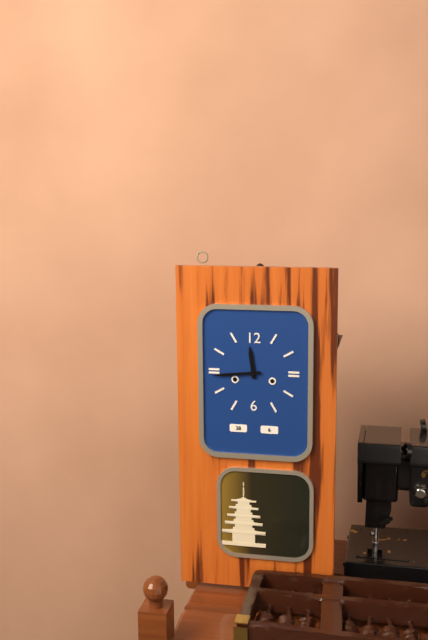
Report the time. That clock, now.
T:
11:44
